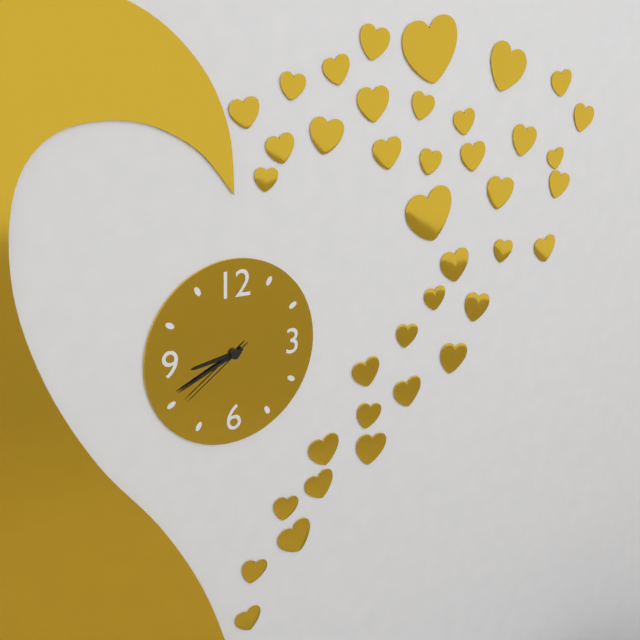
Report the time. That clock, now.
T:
8:41:39
